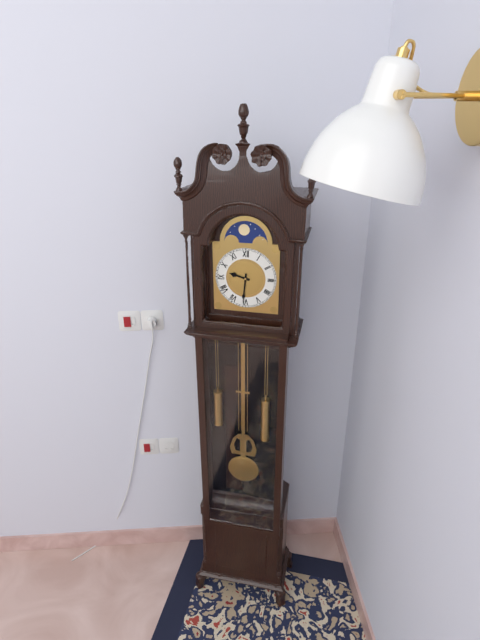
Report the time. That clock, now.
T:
9:31
